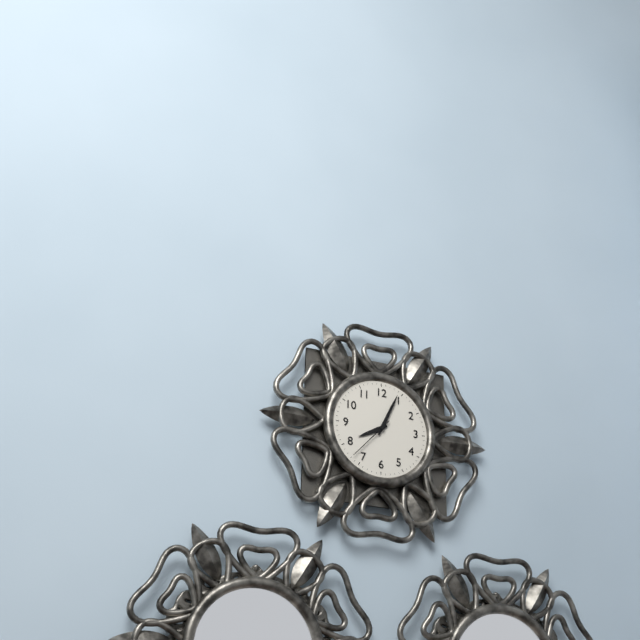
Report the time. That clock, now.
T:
8:04
